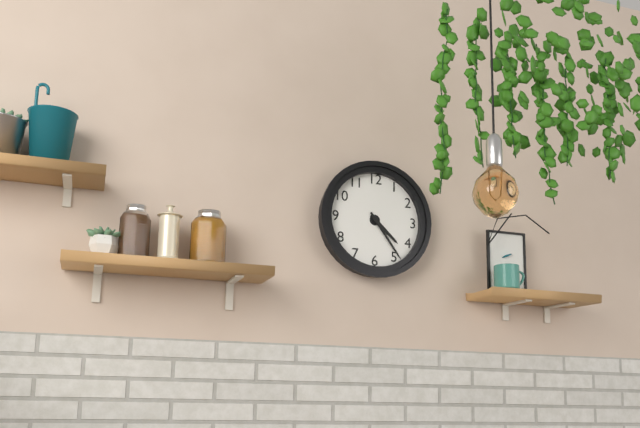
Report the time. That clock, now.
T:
4:24
